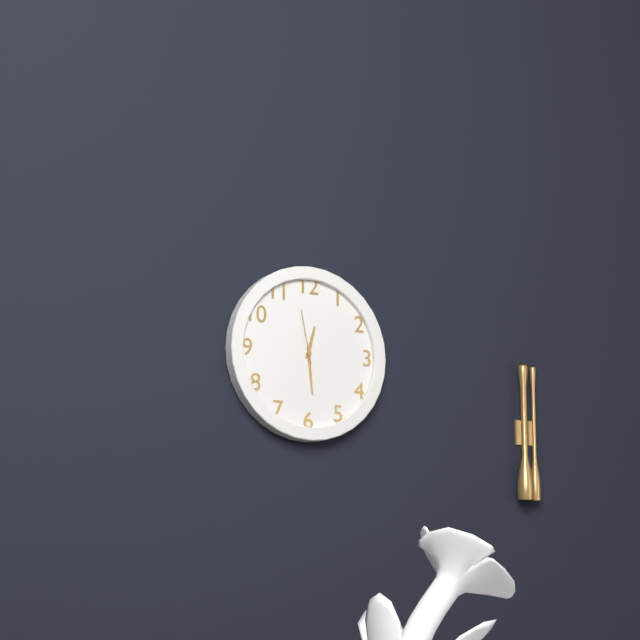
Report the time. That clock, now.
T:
12:29:58
